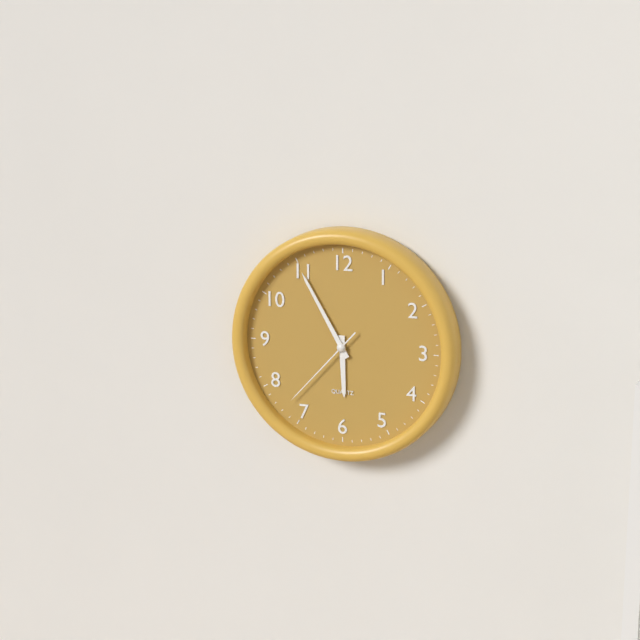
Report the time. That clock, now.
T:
5:55:37
